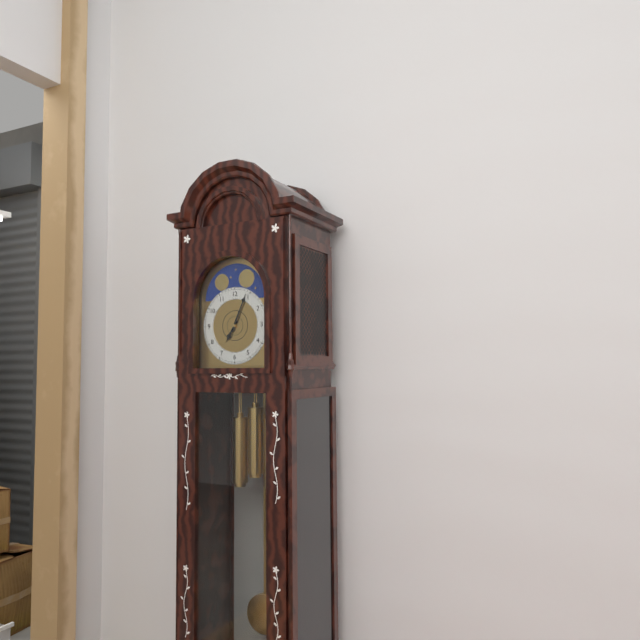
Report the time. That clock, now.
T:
7:04
